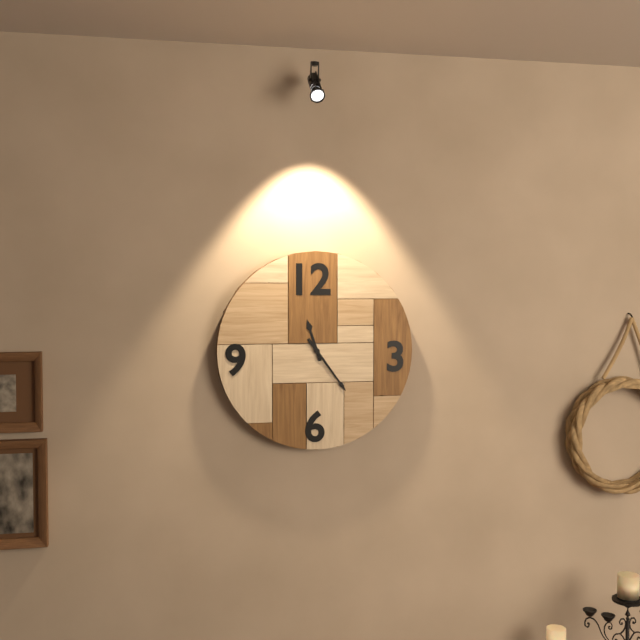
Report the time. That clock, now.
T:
11:24
